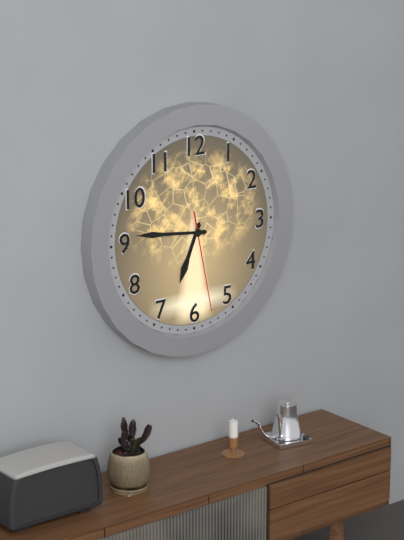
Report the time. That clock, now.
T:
6:46:28
